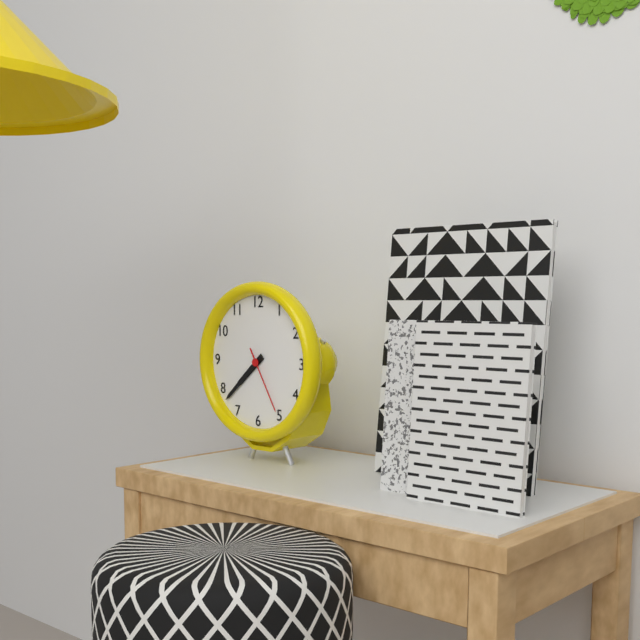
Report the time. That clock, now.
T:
7:38:25
